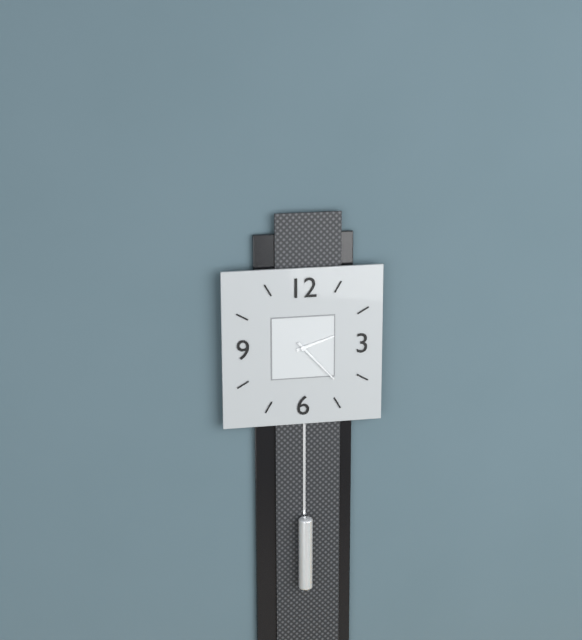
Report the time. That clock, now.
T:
2:23
